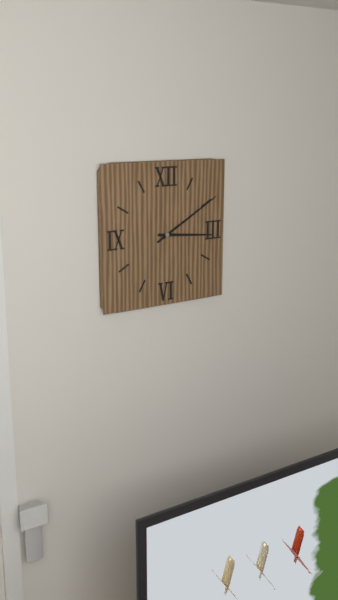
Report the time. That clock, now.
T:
3:10
